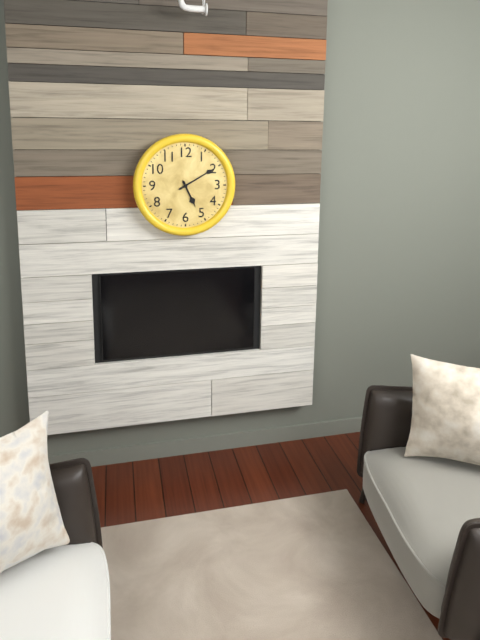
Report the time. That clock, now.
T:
5:10
